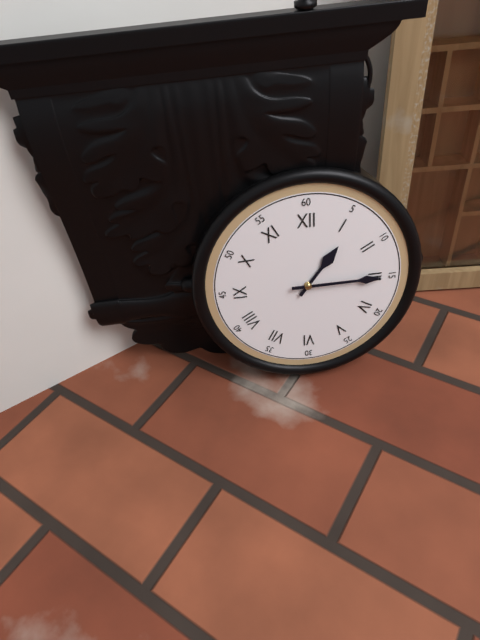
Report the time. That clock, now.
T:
1:15
